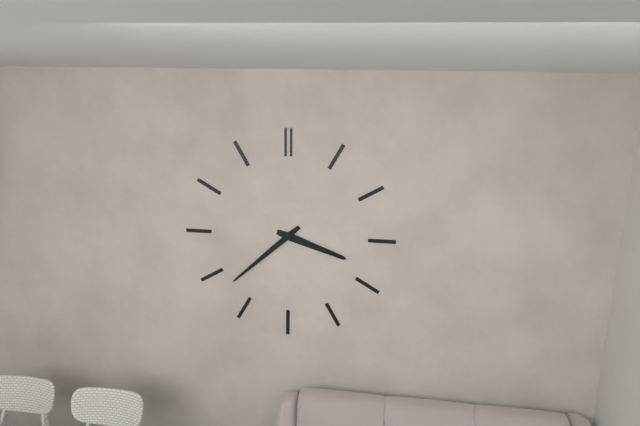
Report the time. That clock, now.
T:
3:38
